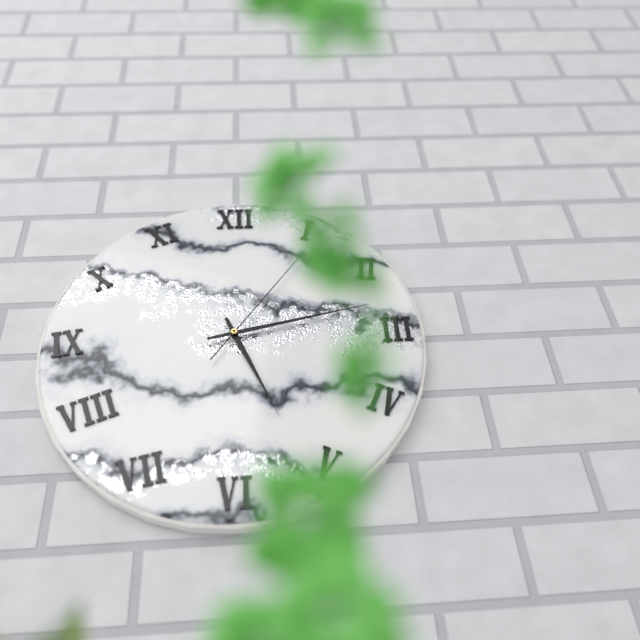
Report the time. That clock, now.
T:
5:13:06
